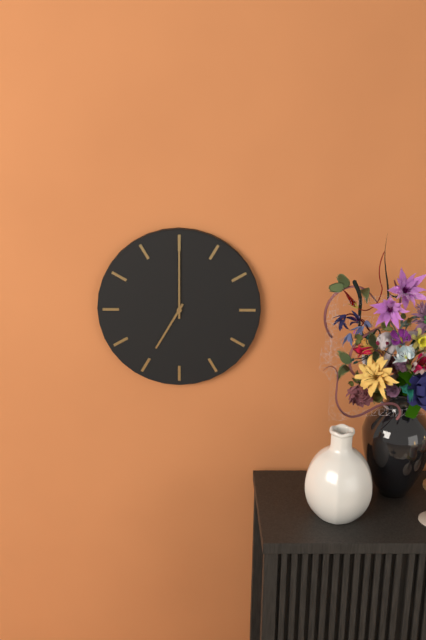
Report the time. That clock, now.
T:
7:00
